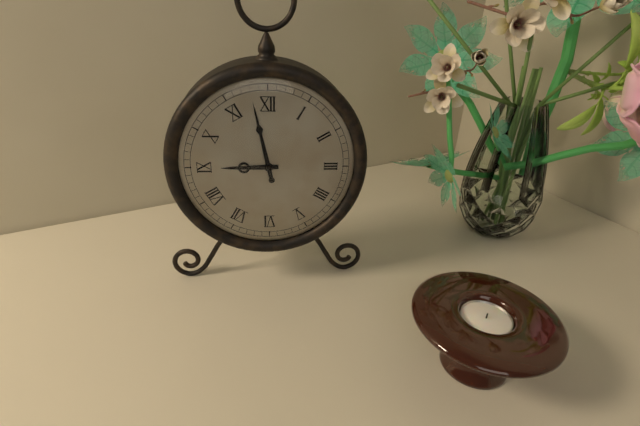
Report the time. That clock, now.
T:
8:58
